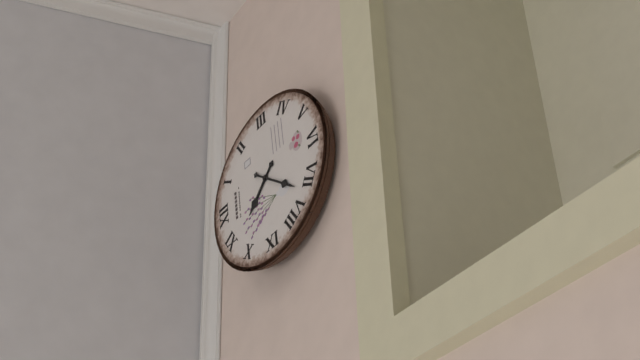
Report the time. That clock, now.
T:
10:37
